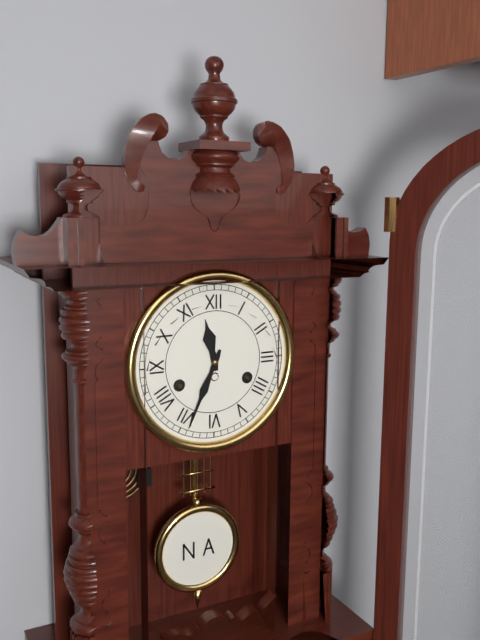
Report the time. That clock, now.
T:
11:34
